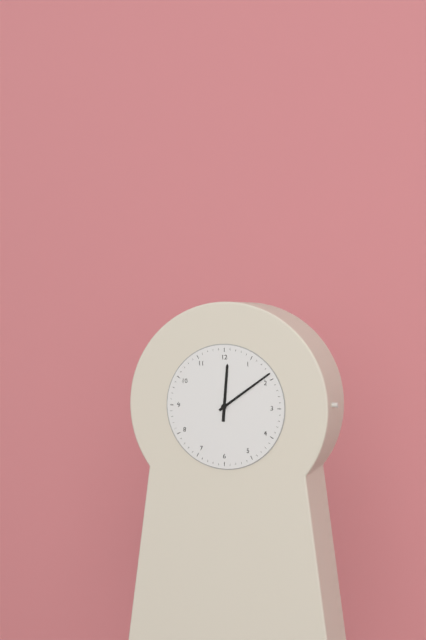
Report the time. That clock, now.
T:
12:09
